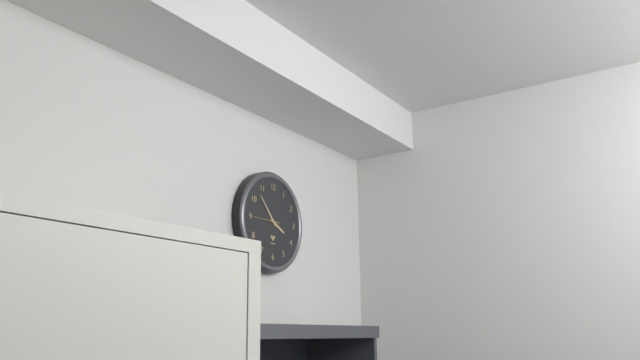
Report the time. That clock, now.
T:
3:53
